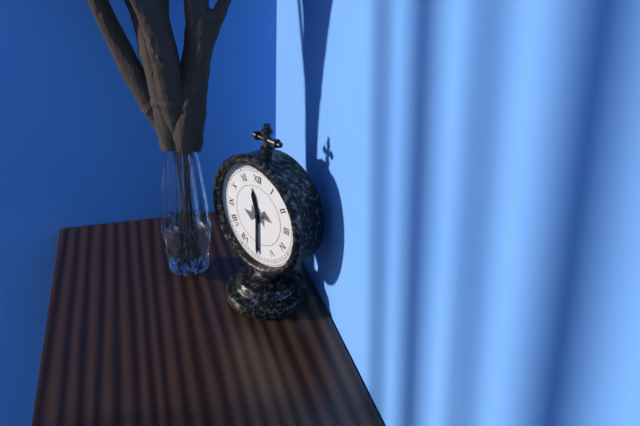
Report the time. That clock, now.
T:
11:30
